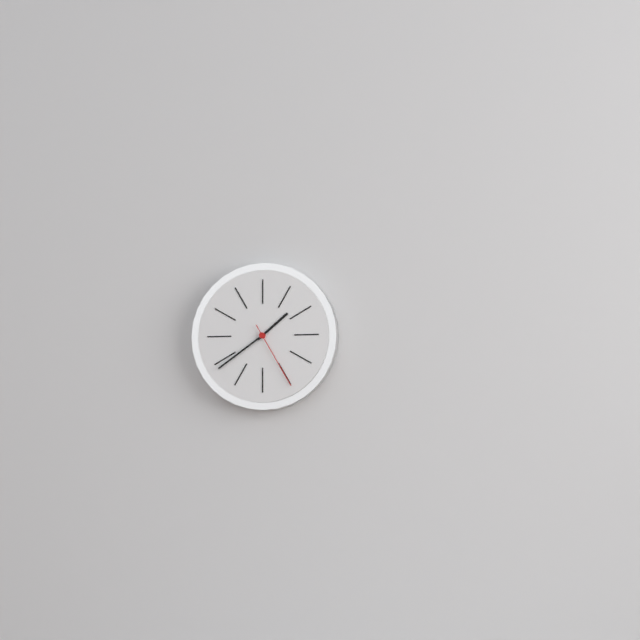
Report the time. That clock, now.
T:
1:39:25
